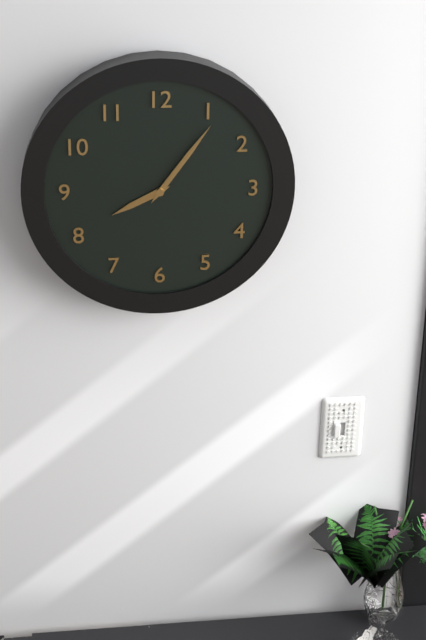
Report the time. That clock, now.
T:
8:06
